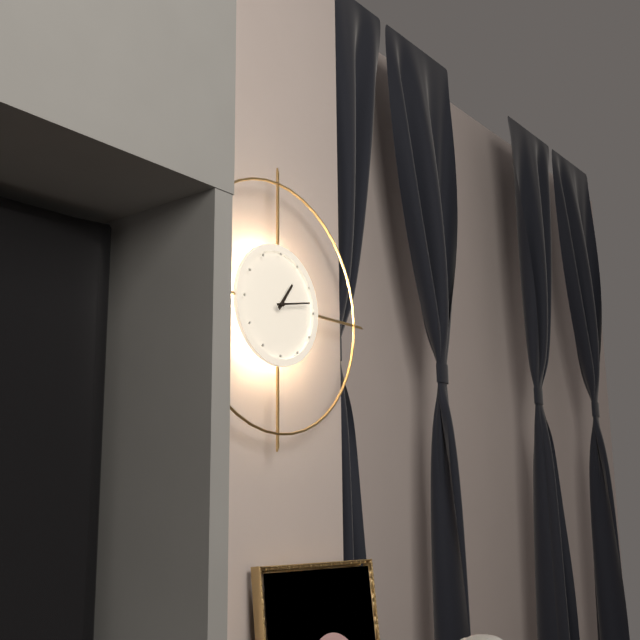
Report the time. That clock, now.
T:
1:13
